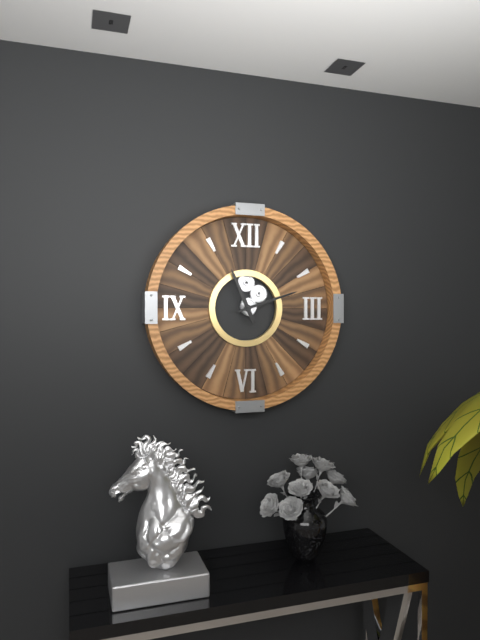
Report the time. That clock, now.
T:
11:12
